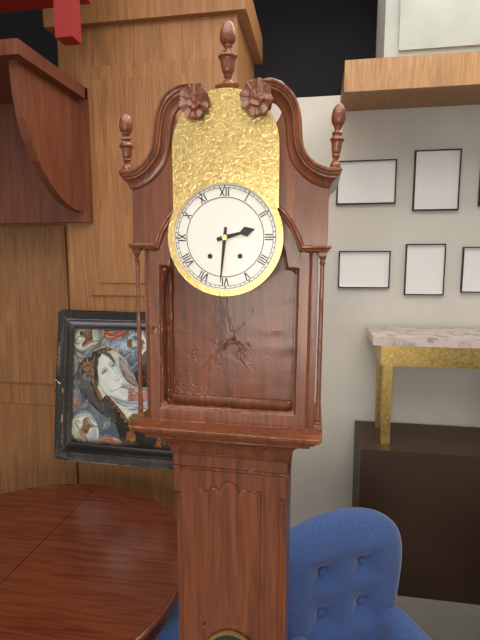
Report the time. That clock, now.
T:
2:31
